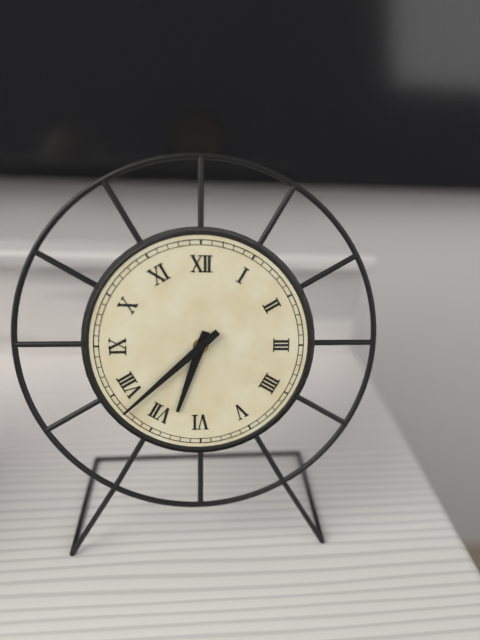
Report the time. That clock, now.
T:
6:38
